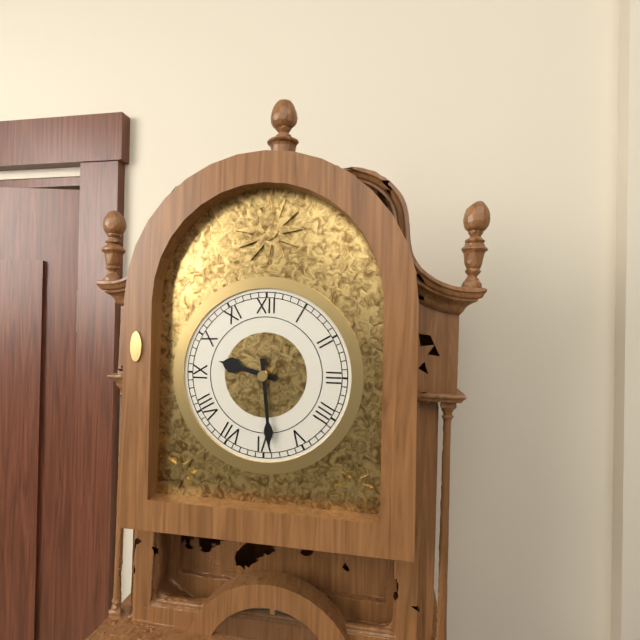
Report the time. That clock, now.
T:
9:29
